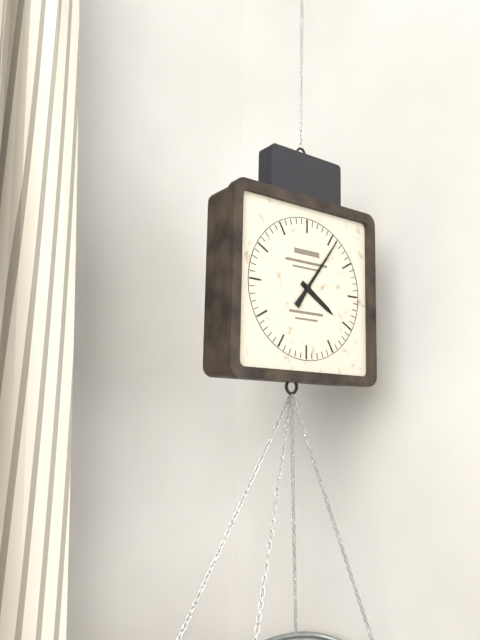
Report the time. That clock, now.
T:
4:06
